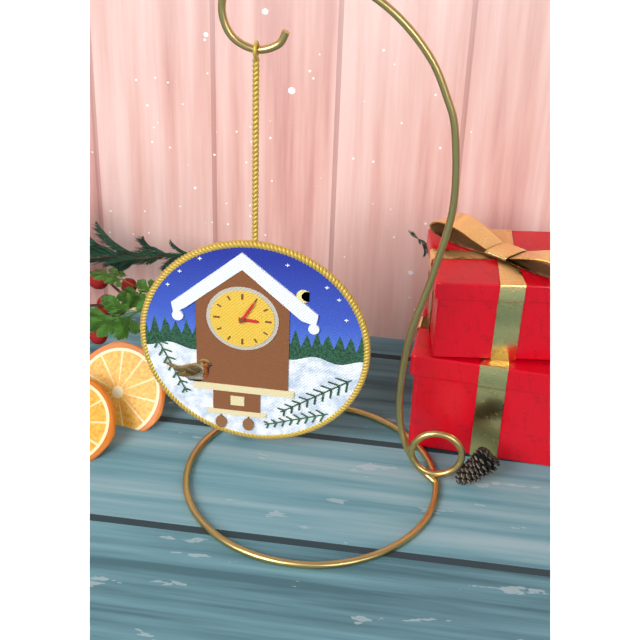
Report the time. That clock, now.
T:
3:05
